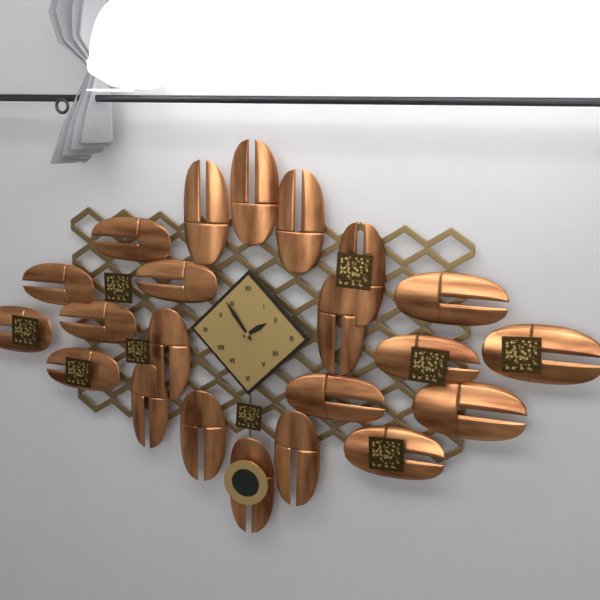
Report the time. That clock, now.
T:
1:54
